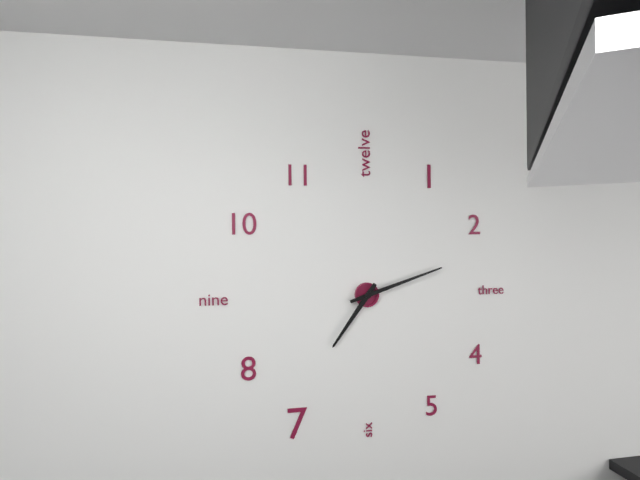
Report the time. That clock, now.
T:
7:12
